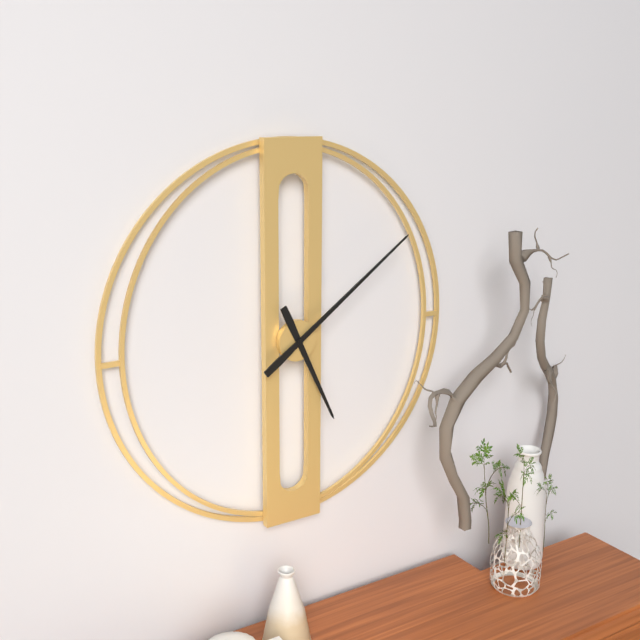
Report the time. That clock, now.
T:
5:09
